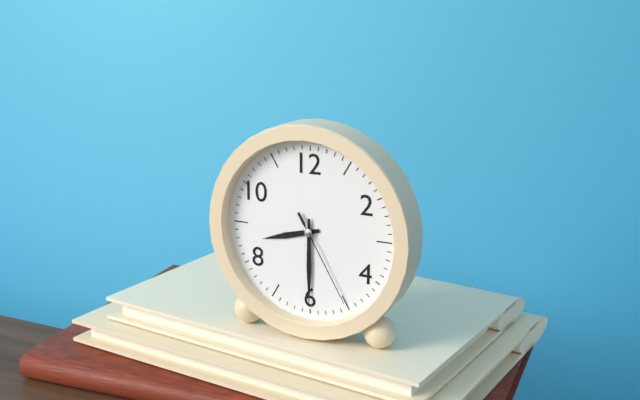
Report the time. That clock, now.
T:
8:30:25
